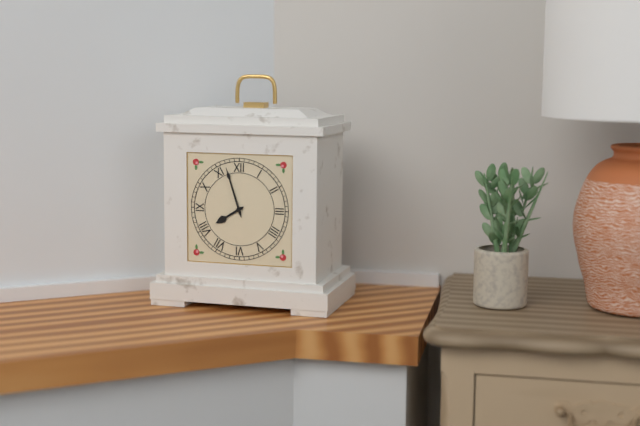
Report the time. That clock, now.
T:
7:57
